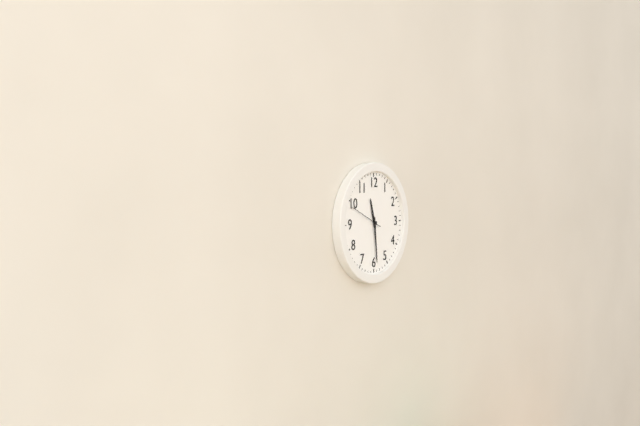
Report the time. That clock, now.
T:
11:29
